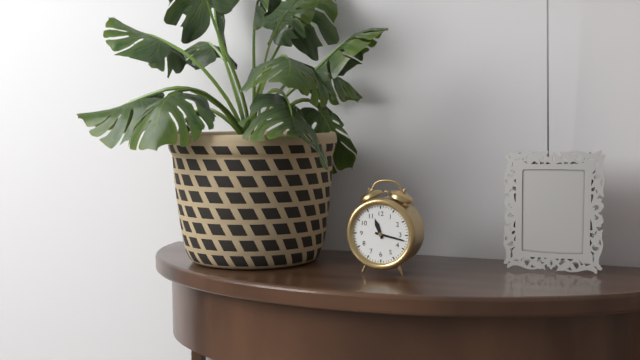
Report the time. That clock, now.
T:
11:17
